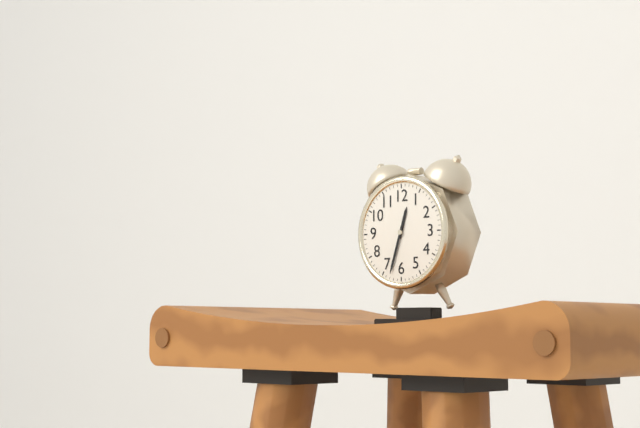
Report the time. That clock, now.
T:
12:33
